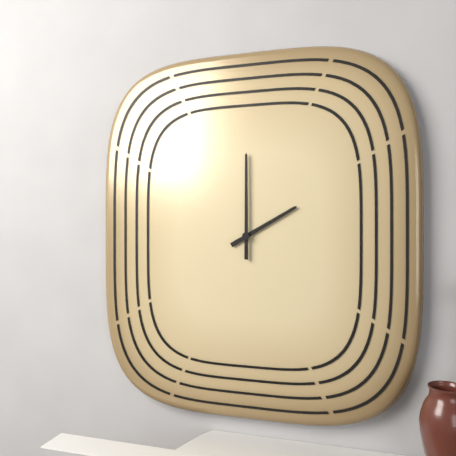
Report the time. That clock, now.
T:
2:00
